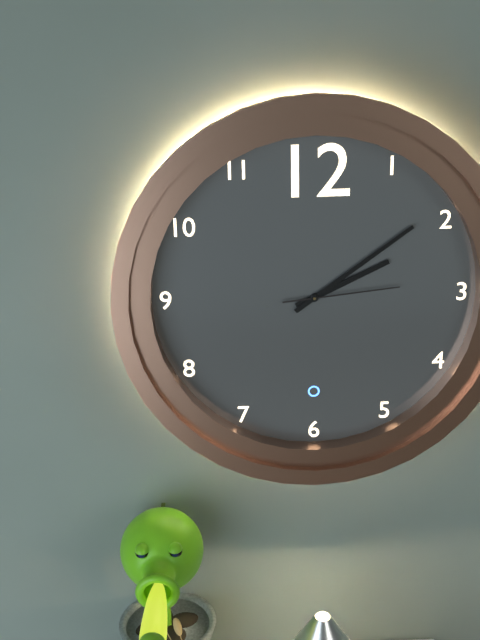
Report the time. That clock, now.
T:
2:09:14
